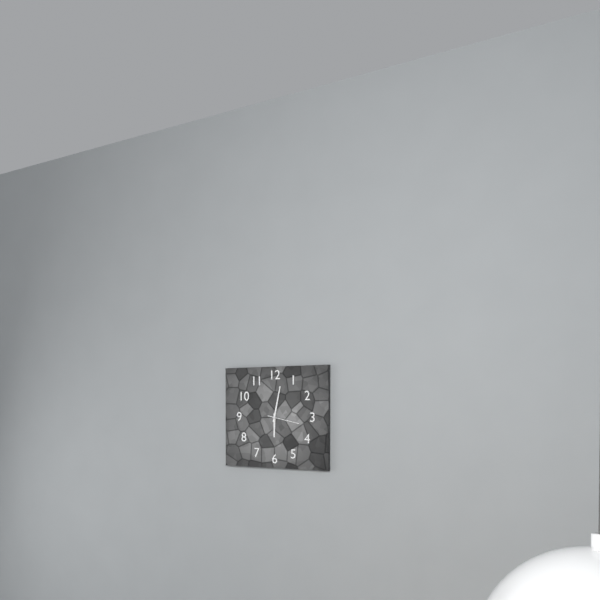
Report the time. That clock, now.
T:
6:02
